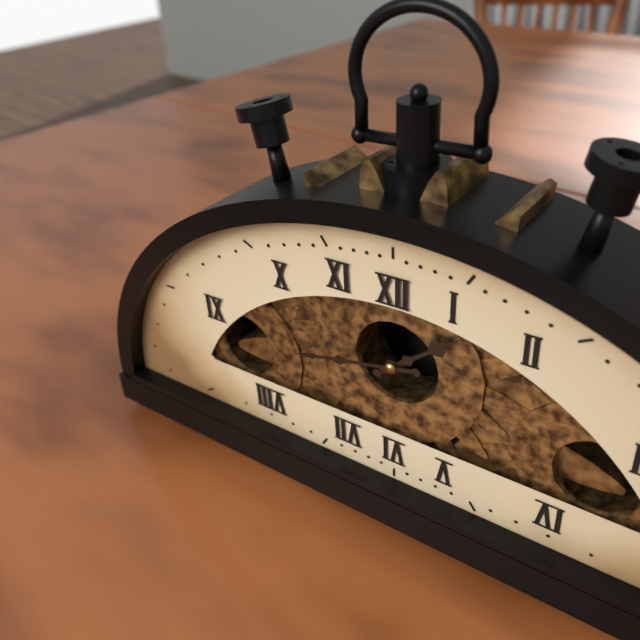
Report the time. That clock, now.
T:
1:43
